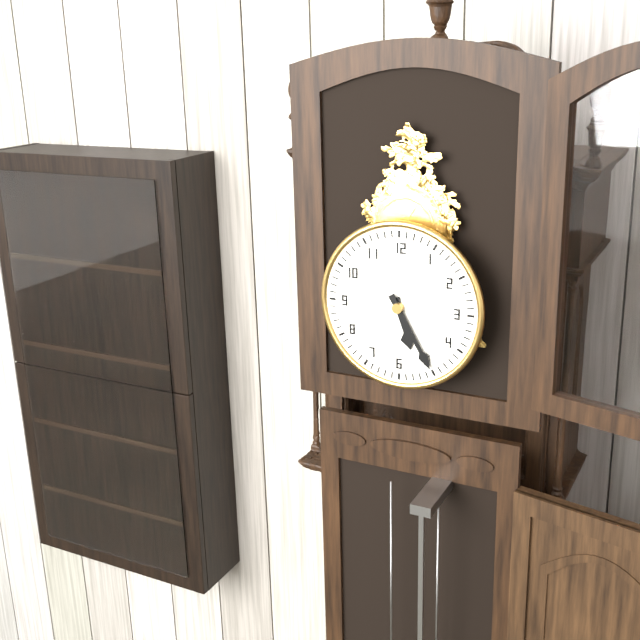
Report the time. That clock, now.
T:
5:25
